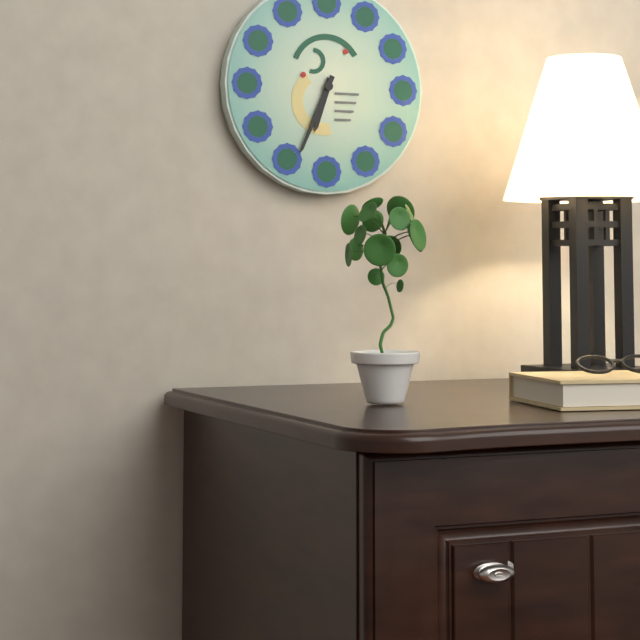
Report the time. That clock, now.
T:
6:34
